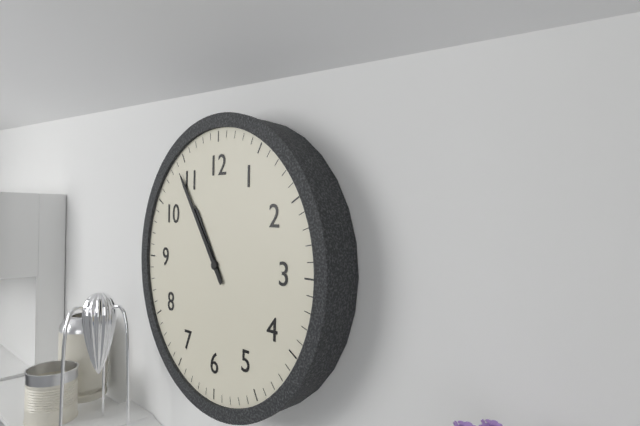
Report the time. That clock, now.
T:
10:54
